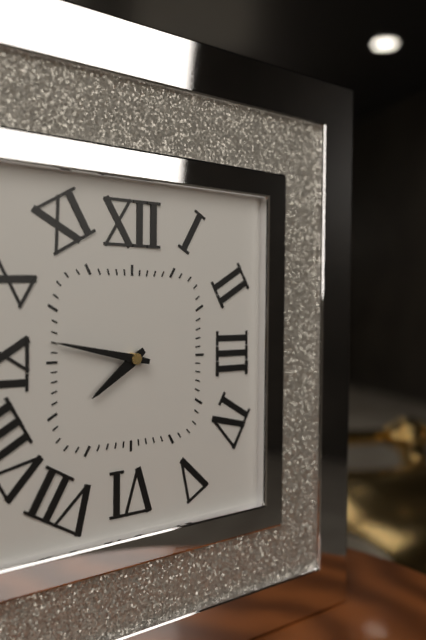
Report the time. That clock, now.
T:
7:47
